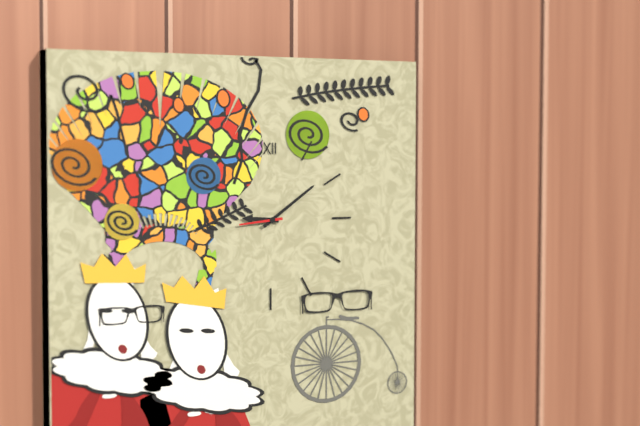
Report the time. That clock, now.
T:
9:09
